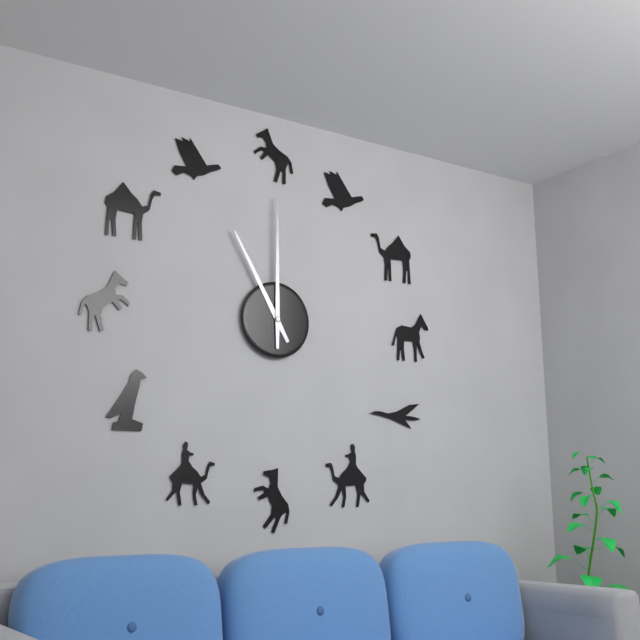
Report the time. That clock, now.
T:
11:00
